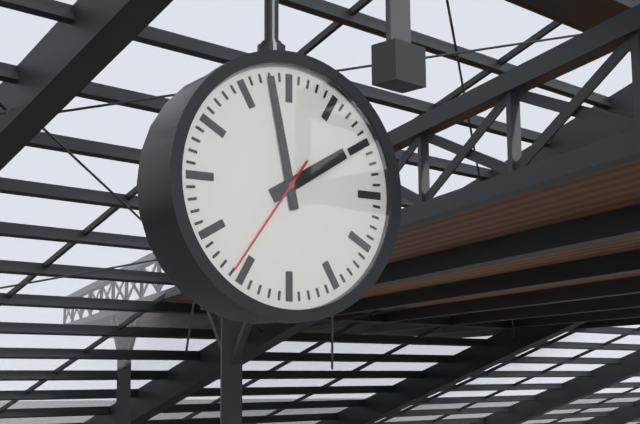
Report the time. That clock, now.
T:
1:58:36
